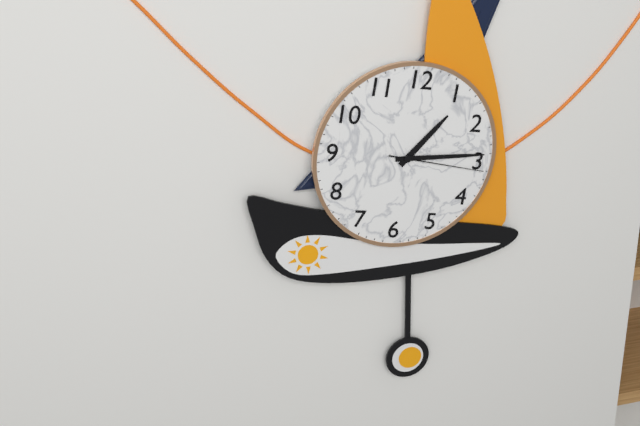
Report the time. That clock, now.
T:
1:14:16
